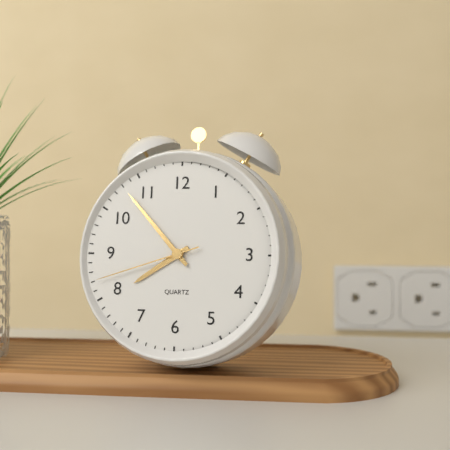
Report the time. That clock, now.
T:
7:53:42
